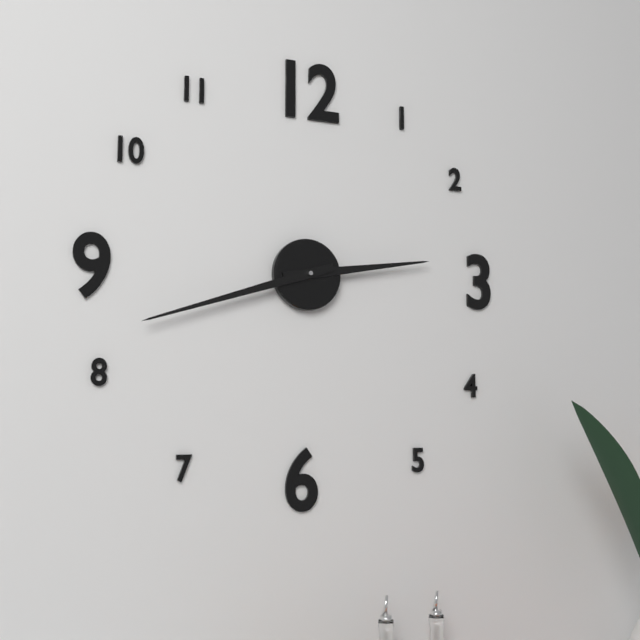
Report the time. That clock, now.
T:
2:42
